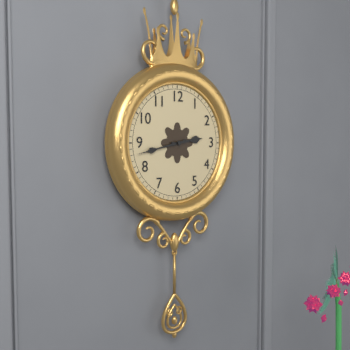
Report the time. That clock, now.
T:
2:43
